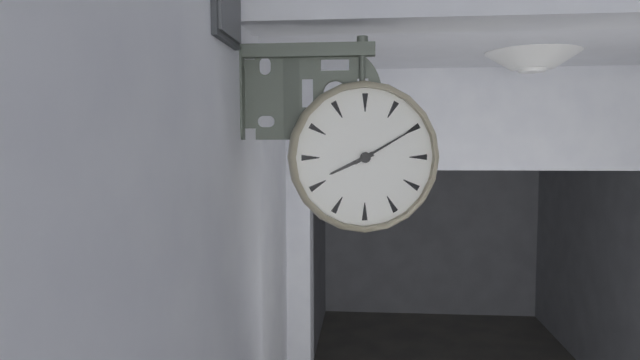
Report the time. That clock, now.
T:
8:10
